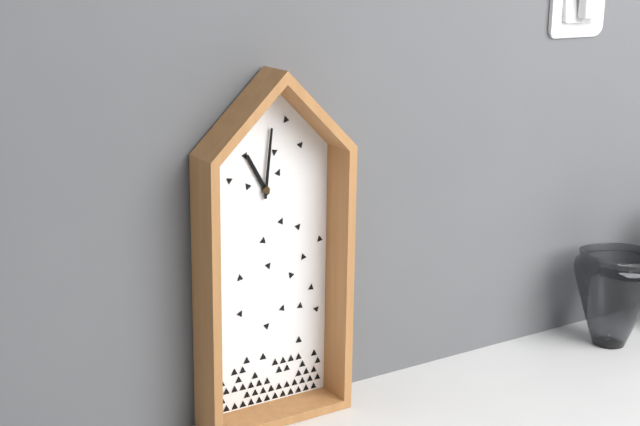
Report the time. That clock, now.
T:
11:01
